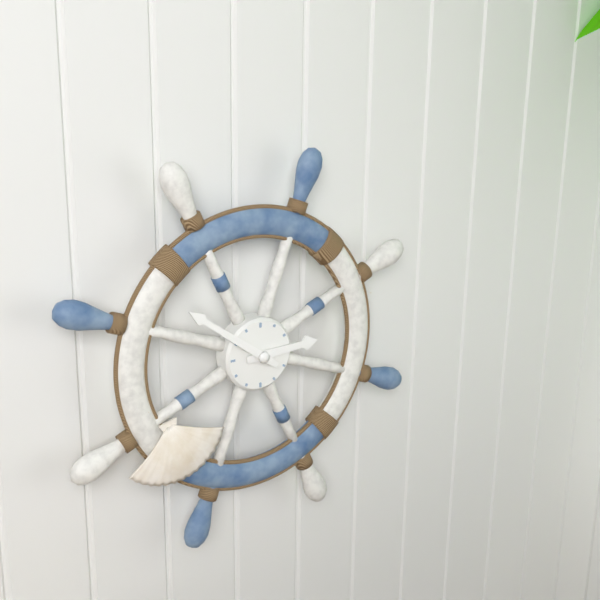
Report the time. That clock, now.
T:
2:51
